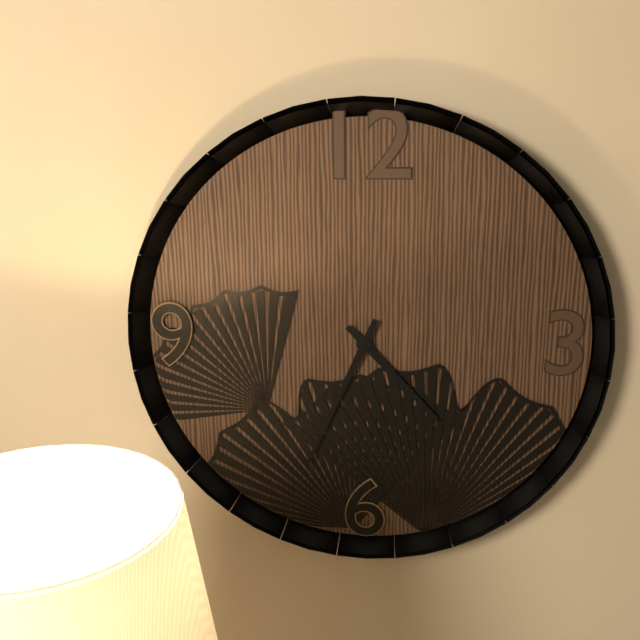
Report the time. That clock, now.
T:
4:34
